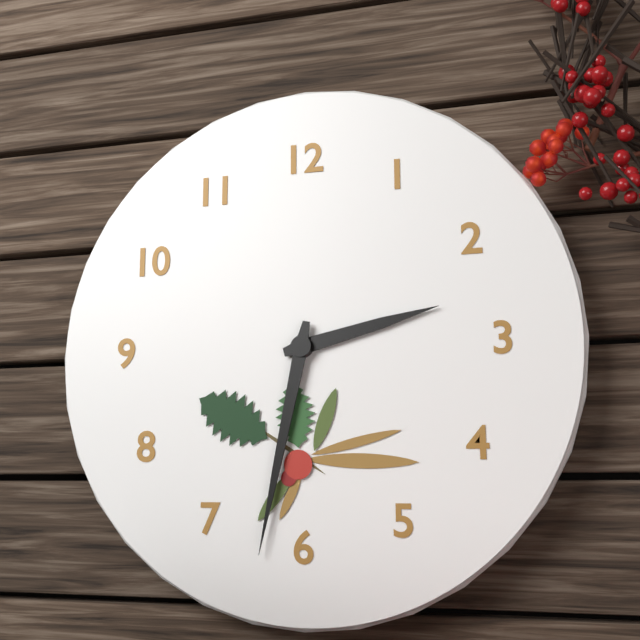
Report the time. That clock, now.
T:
2:32
